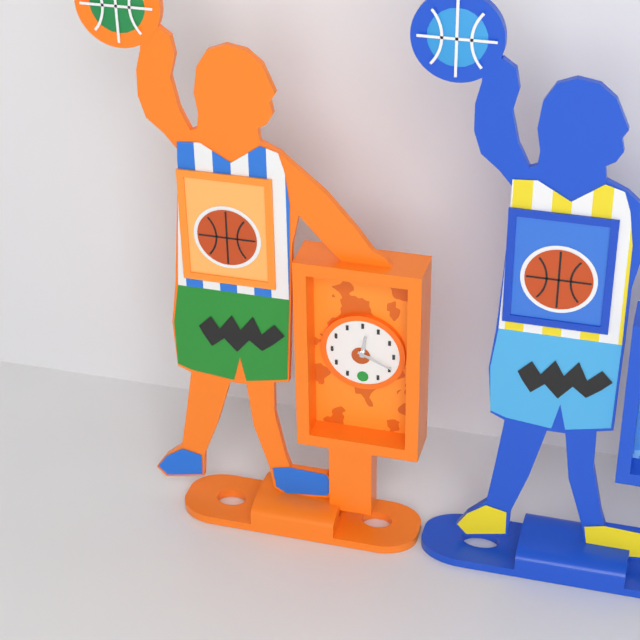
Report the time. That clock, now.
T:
12:19
